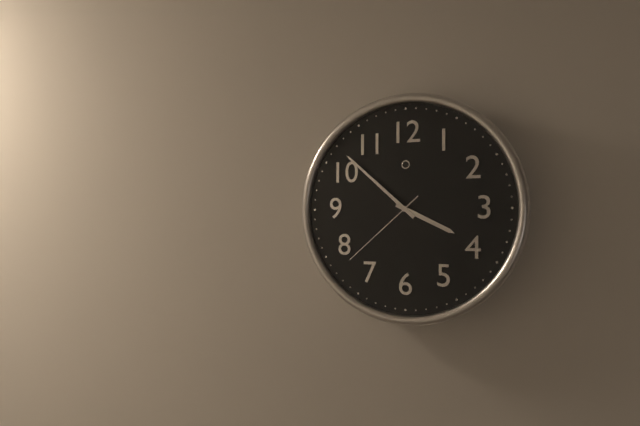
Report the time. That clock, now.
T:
3:52:38
